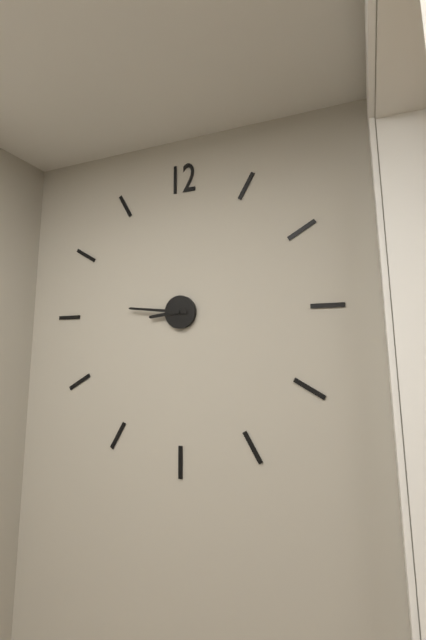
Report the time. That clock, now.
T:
8:46
